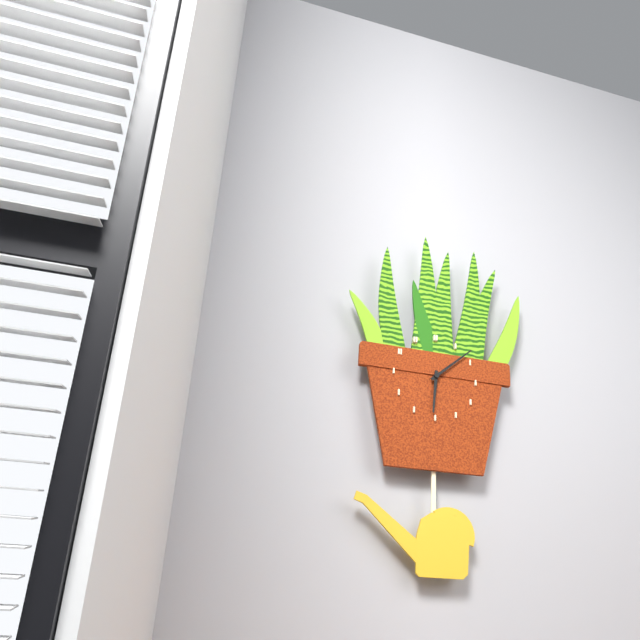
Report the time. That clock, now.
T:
6:08
